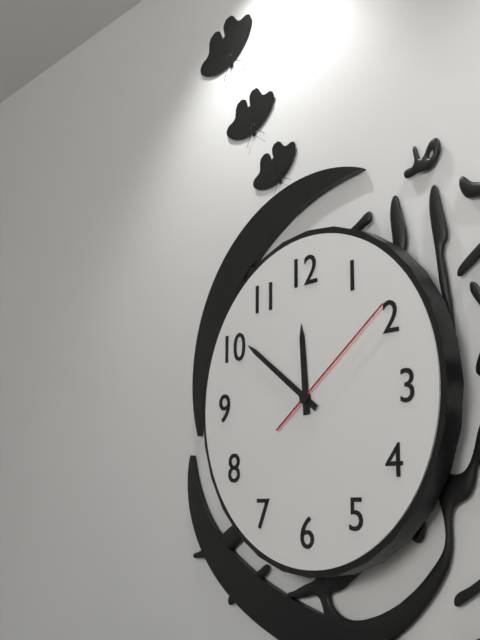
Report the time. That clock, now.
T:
11:51:09
